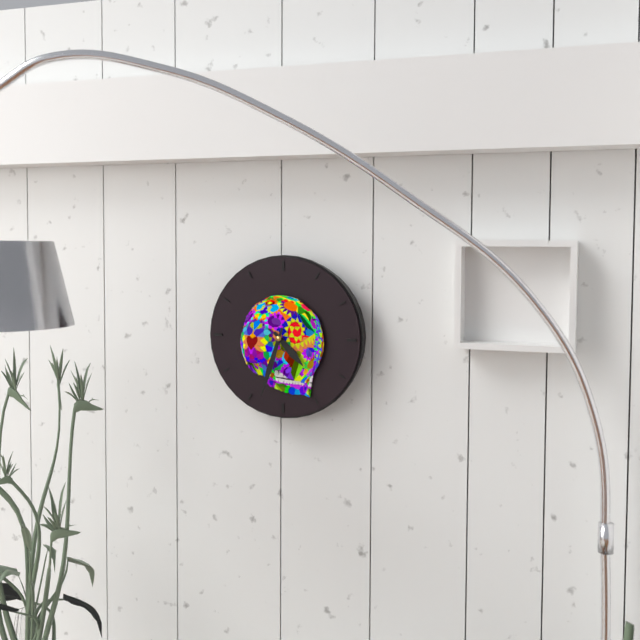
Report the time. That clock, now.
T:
4:33
